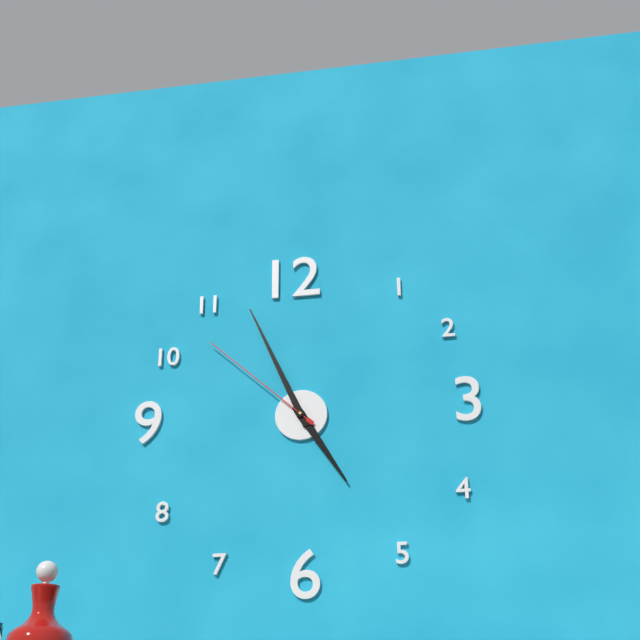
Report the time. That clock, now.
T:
4:56:52
